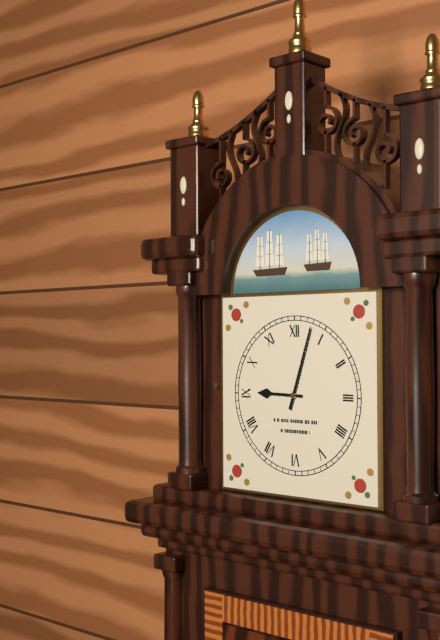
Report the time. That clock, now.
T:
9:03
